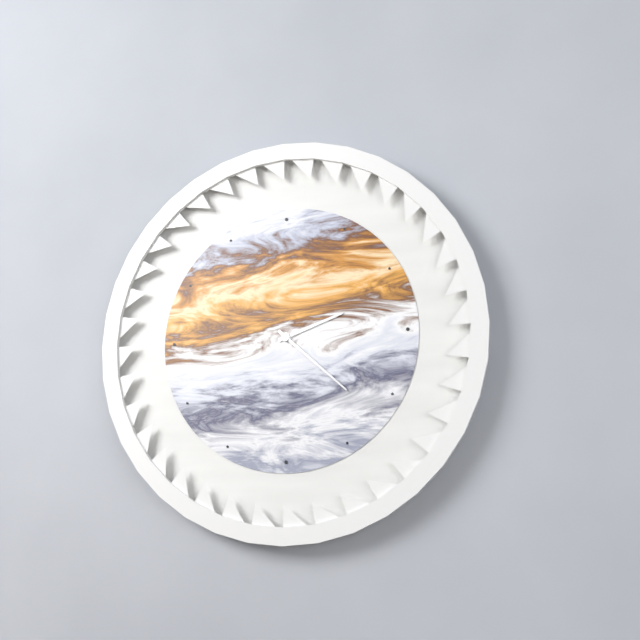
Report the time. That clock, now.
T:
2:22
